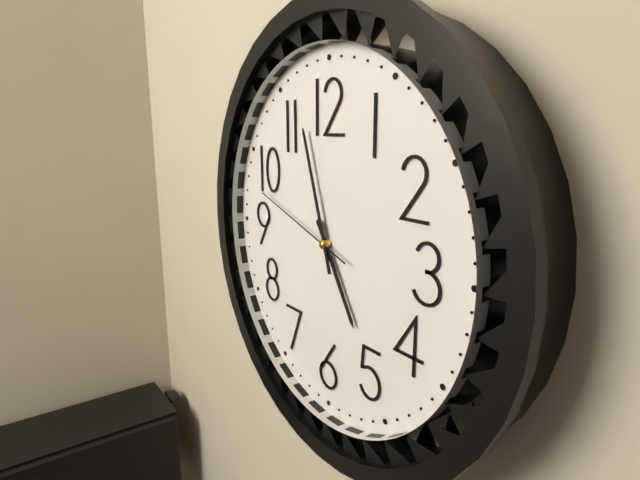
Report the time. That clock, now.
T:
4:57:48
